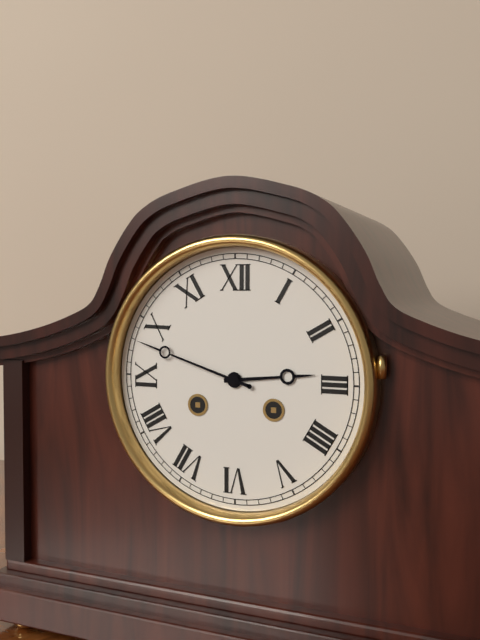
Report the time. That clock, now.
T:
2:48
